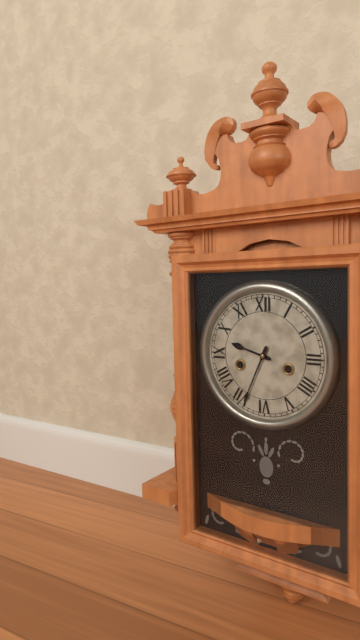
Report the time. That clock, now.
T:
9:34
